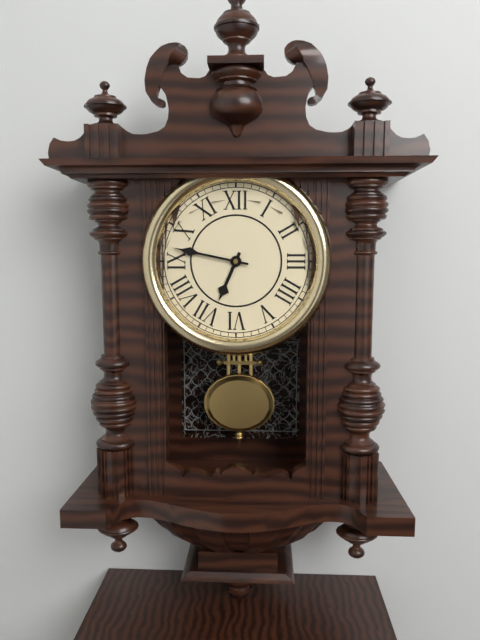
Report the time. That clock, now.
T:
6:47
